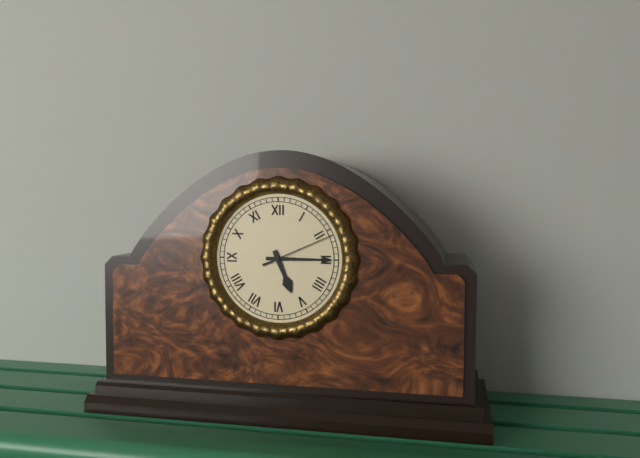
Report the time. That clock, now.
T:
5:15:11
